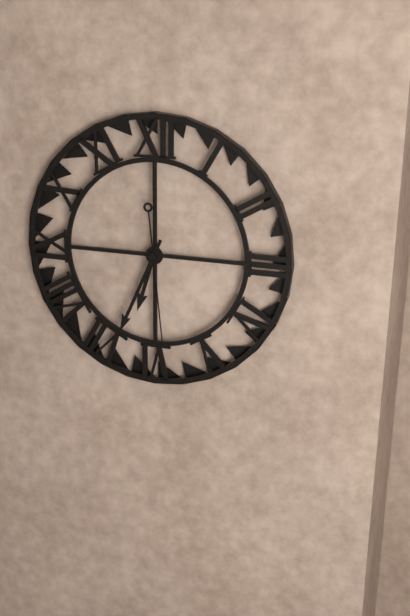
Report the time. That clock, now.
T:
6:34:29
